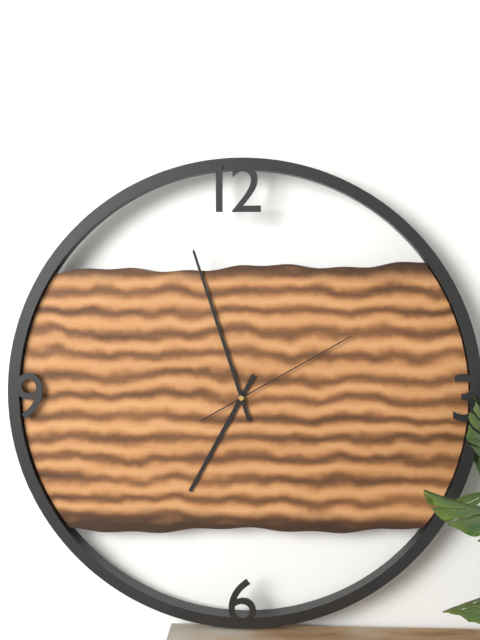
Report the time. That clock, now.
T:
6:57:10
